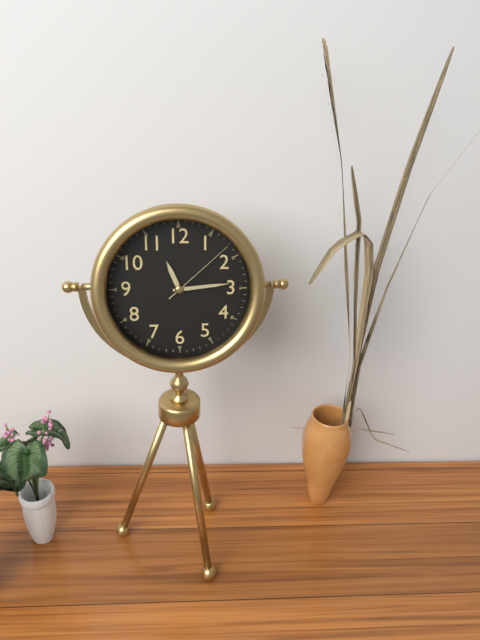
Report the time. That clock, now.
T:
11:14:08
